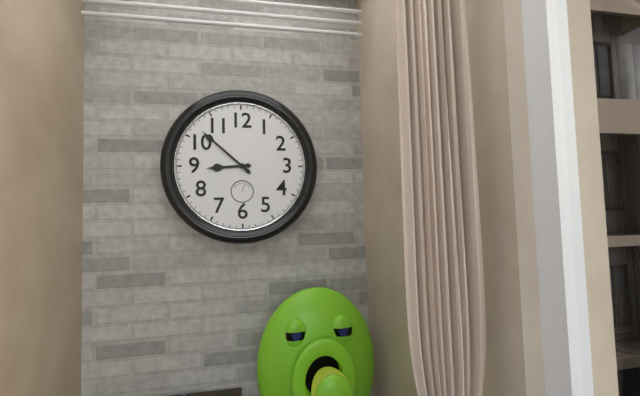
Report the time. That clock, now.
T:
8:52
